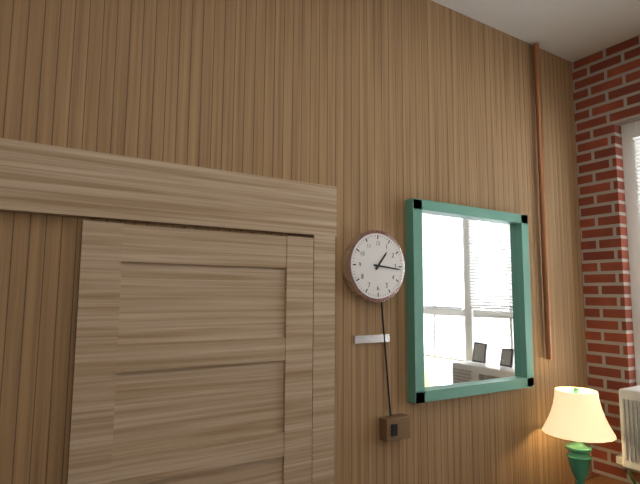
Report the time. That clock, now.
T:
1:16
